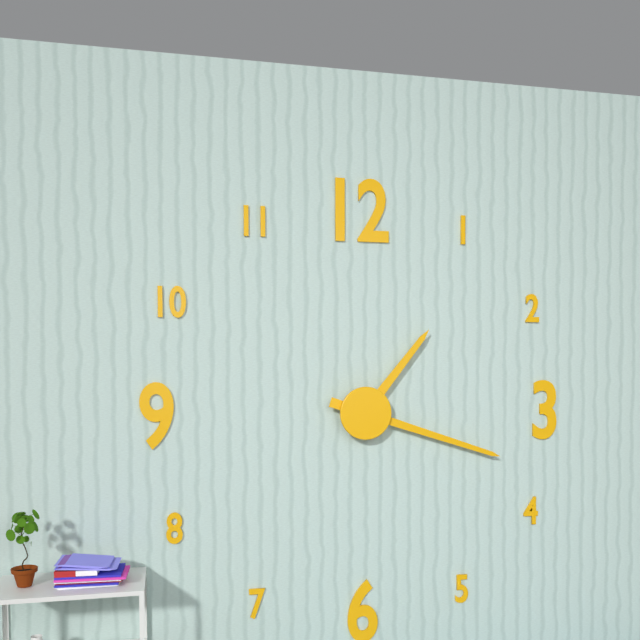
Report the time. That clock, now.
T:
1:18
